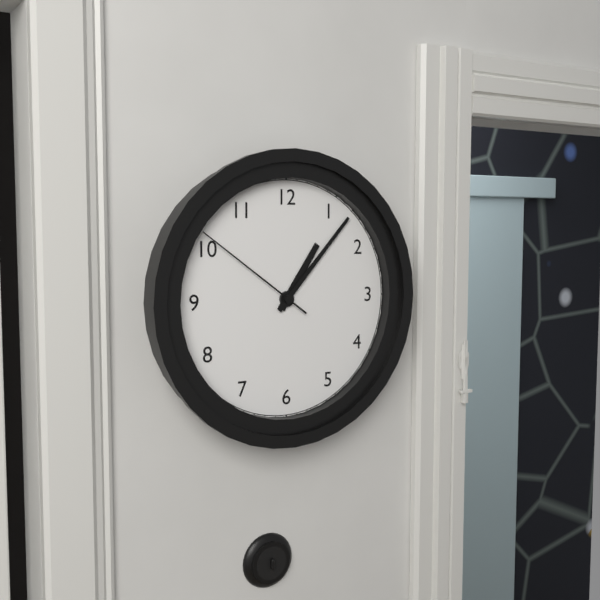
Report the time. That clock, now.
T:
1:07:51
